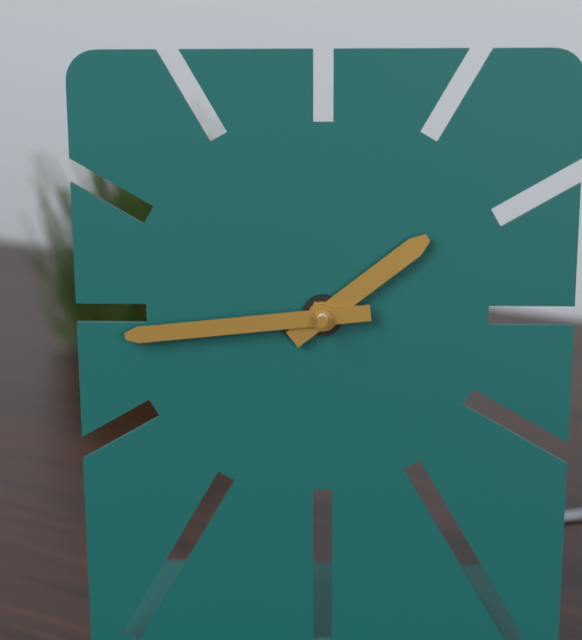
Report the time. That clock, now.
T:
1:44
